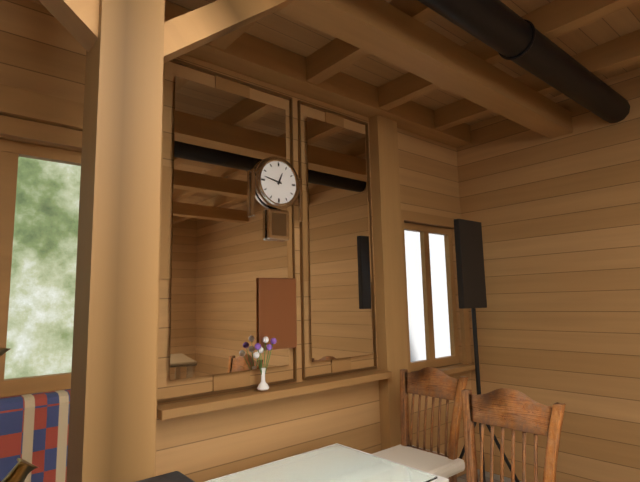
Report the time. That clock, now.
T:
12:47
